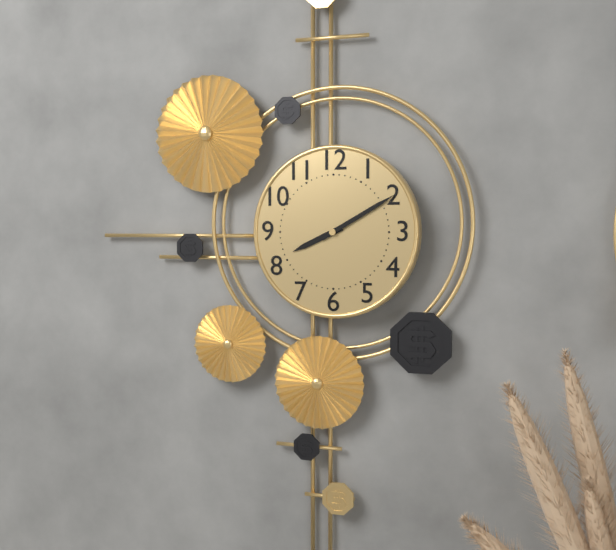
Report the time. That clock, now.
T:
8:10
